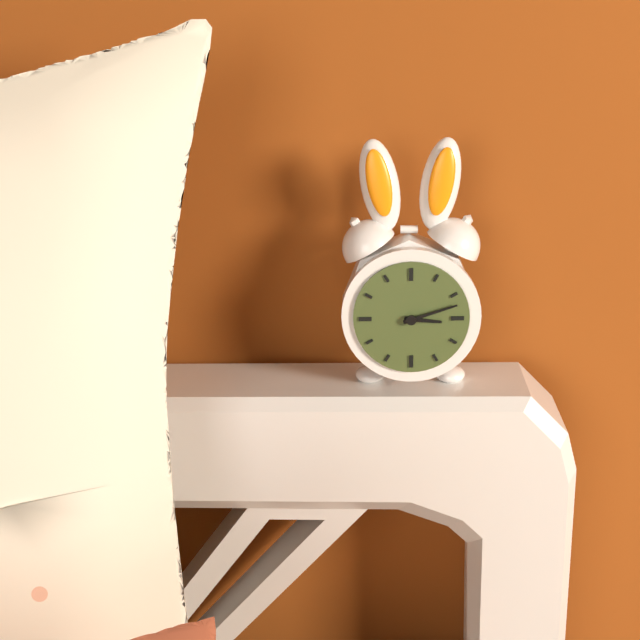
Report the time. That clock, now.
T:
3:12
